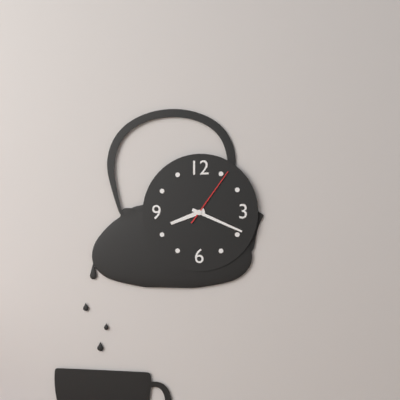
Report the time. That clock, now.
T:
8:19:06
